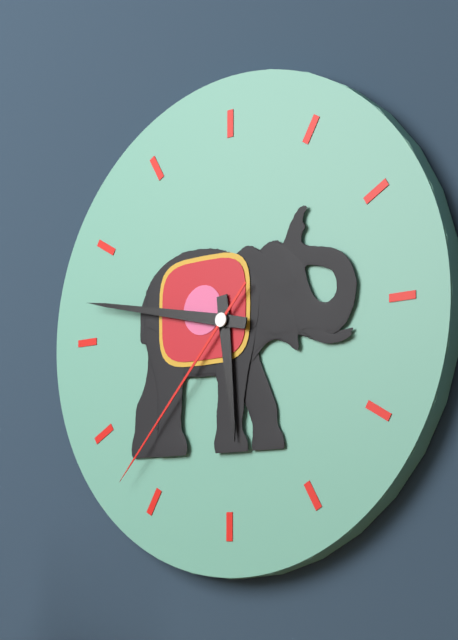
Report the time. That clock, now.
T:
5:47:37
